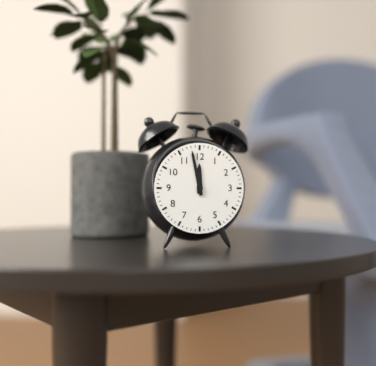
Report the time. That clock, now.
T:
11:58
